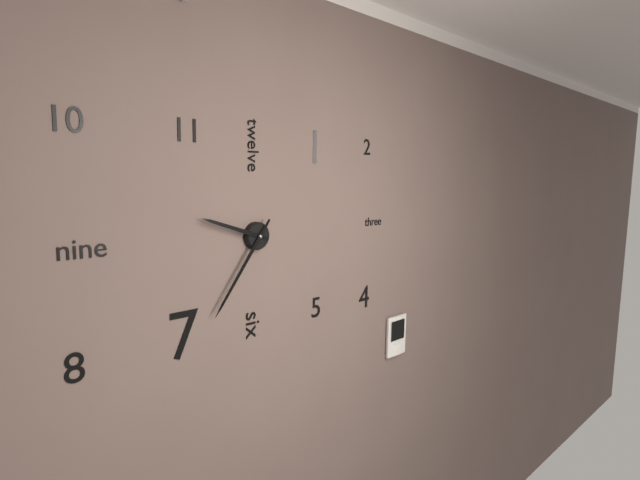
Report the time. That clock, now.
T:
9:36
